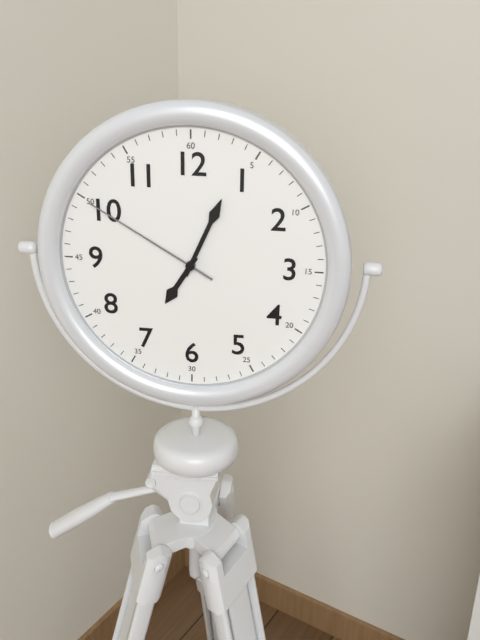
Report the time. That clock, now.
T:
7:04:50
